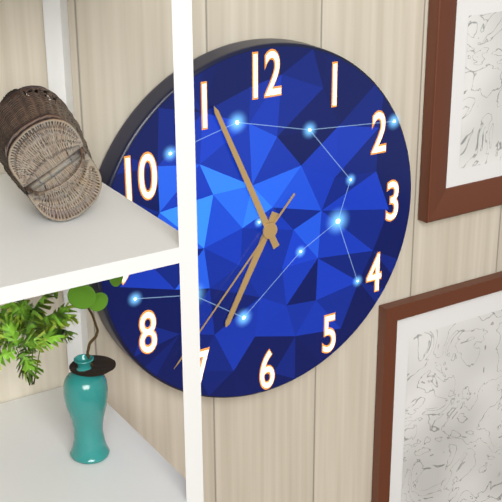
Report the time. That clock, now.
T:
6:56:37
